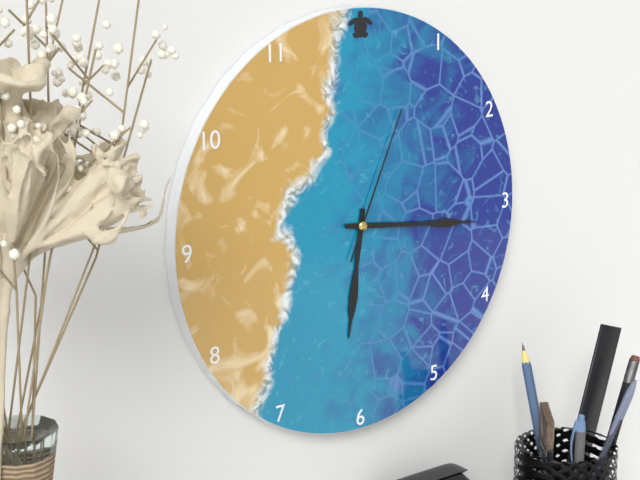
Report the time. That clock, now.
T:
6:16:04
